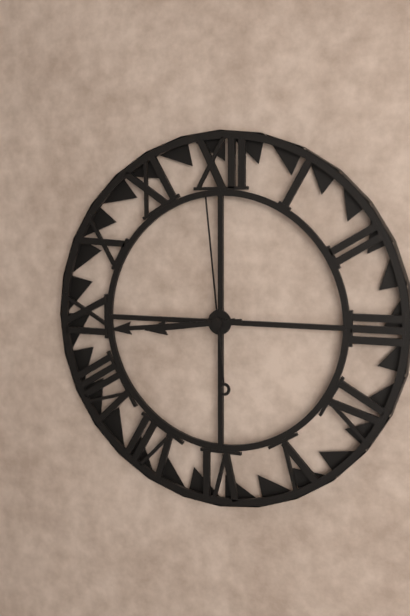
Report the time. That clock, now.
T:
8:44:59
